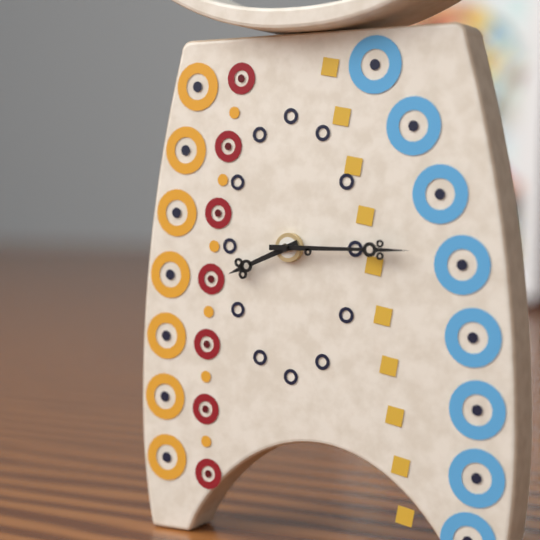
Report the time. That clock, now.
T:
8:15
